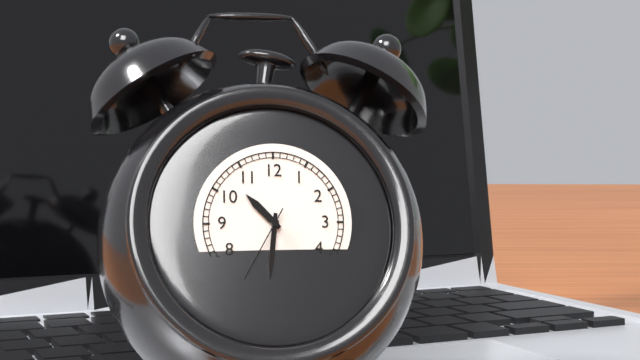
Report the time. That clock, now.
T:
10:31:35
